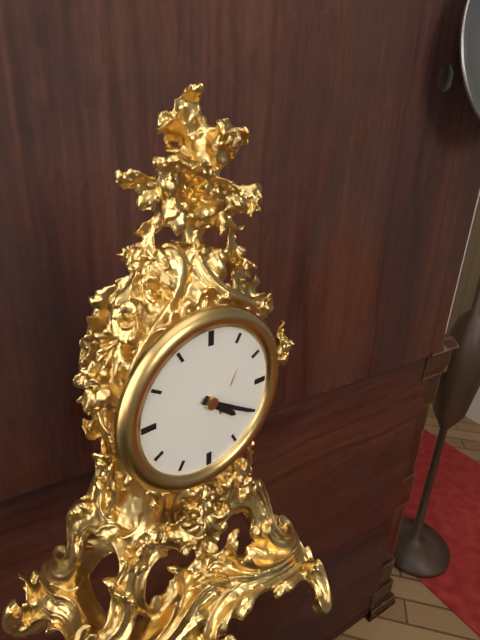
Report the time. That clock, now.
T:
4:20
